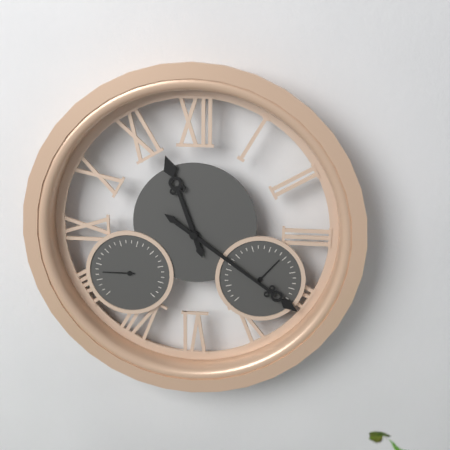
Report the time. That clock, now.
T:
11:21
